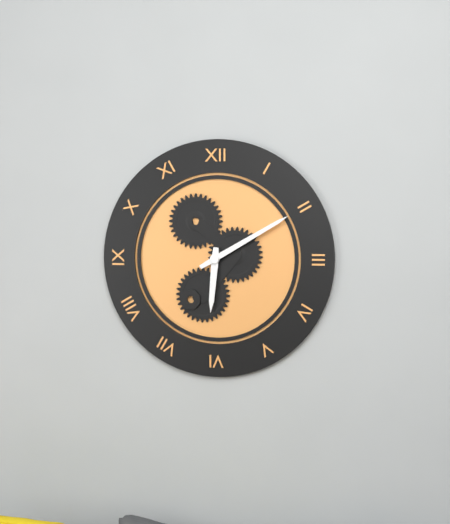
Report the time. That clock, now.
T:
6:10
